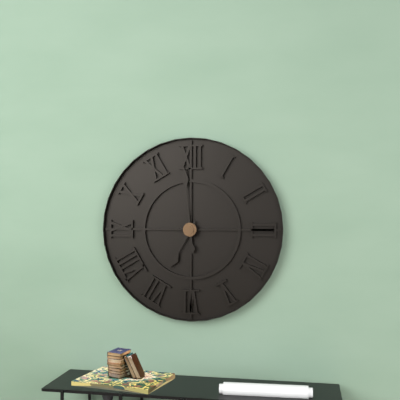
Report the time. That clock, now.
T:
6:59
